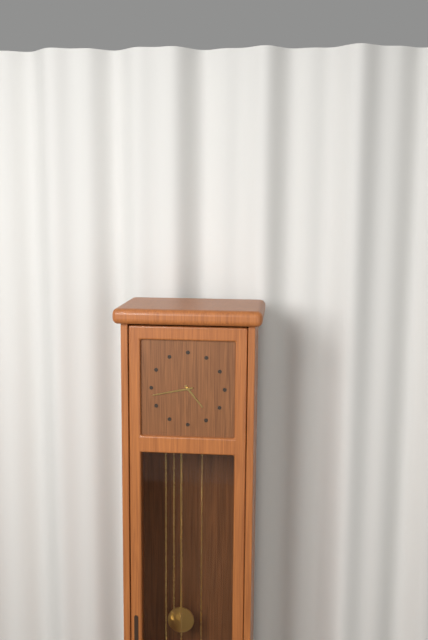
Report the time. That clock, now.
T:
4:43
